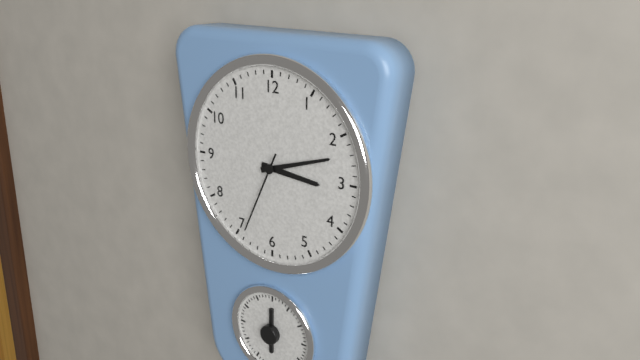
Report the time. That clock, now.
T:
3:12:34
